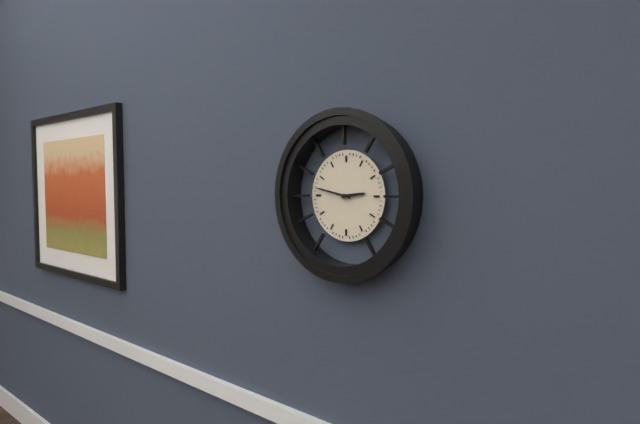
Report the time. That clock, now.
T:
2:47
